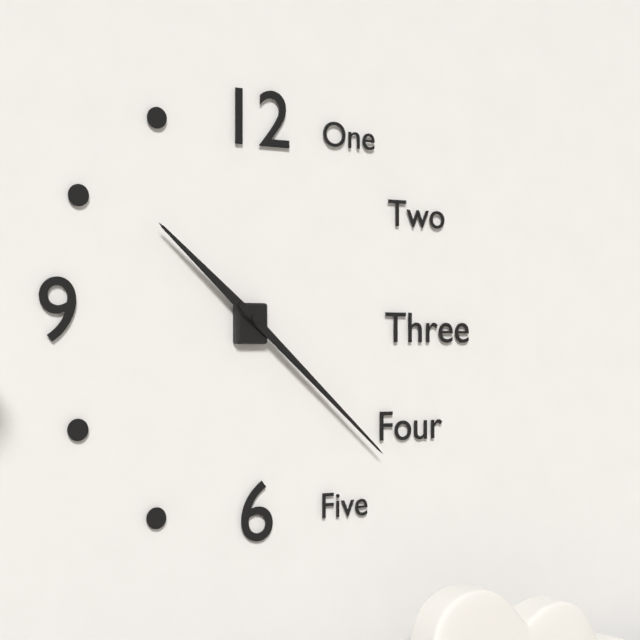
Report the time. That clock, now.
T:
10:22
